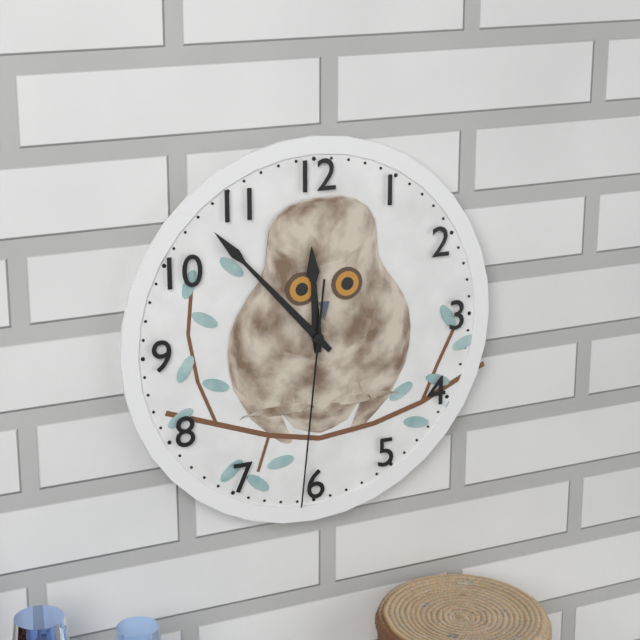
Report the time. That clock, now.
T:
11:53:31
